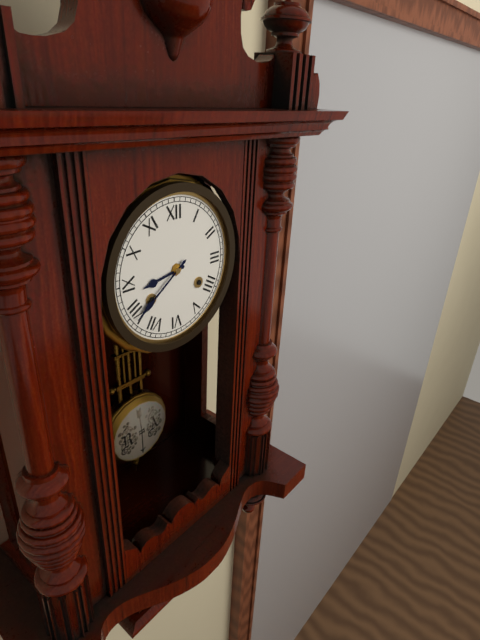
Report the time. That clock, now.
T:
8:39
